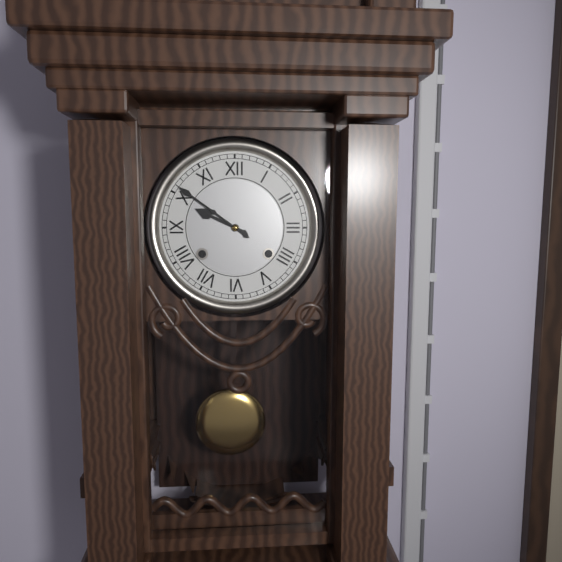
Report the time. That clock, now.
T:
9:51
